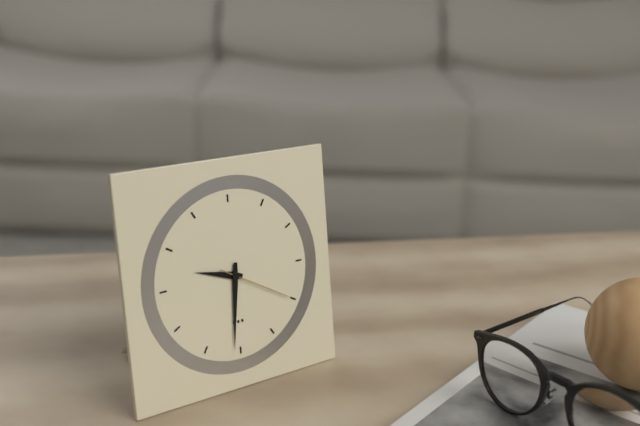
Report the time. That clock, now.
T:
9:31:20
